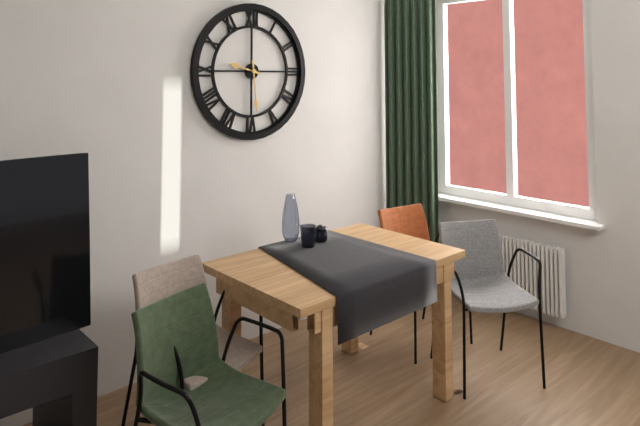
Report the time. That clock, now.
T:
9:29
